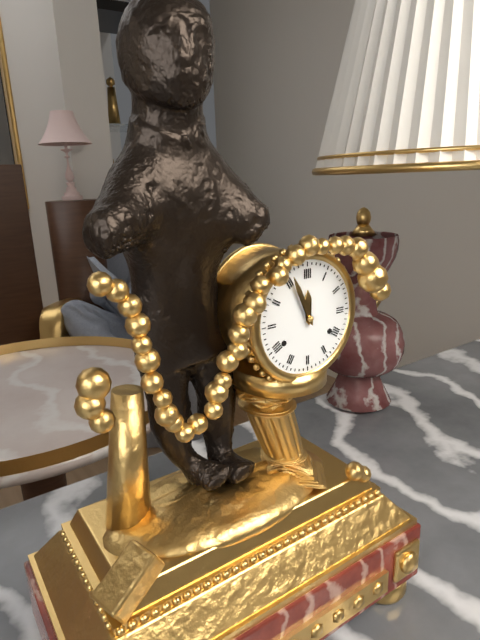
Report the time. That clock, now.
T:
11:56
